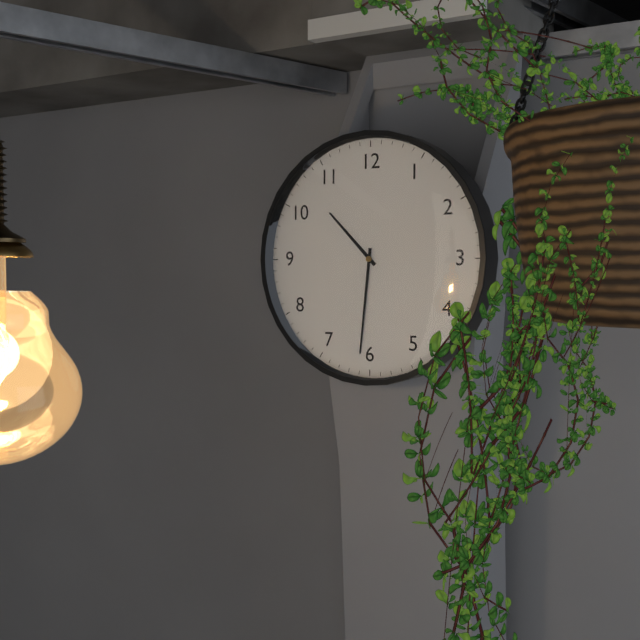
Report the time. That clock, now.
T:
10:31
